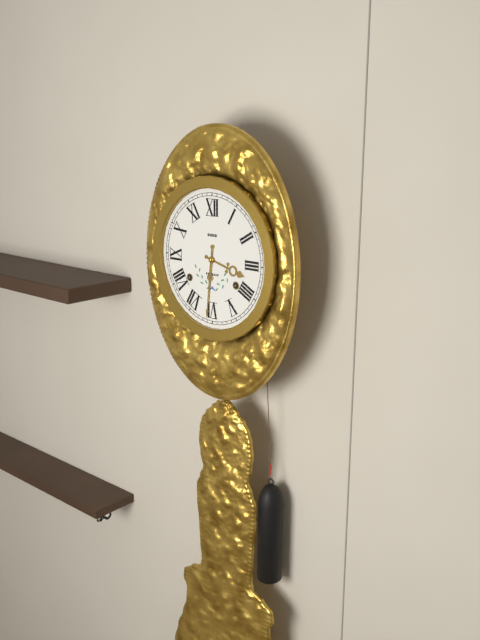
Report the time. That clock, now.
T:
3:31
